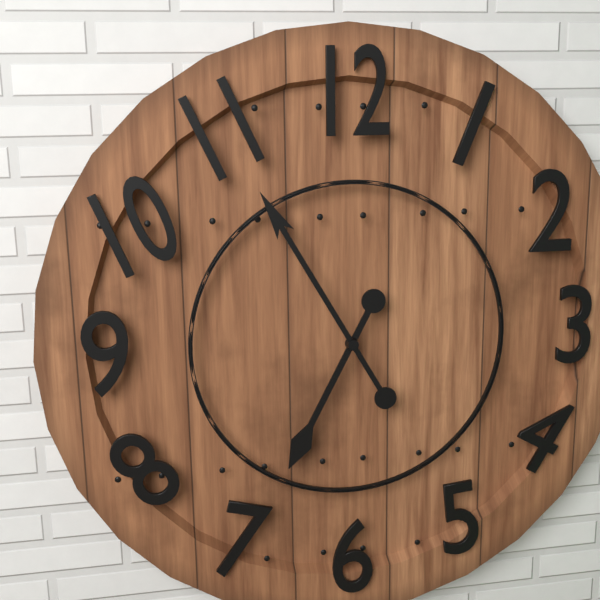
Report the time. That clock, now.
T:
6:55
